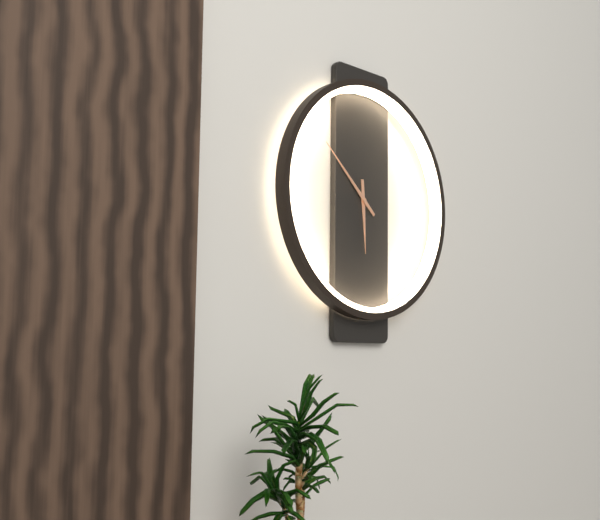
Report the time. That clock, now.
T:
5:52
